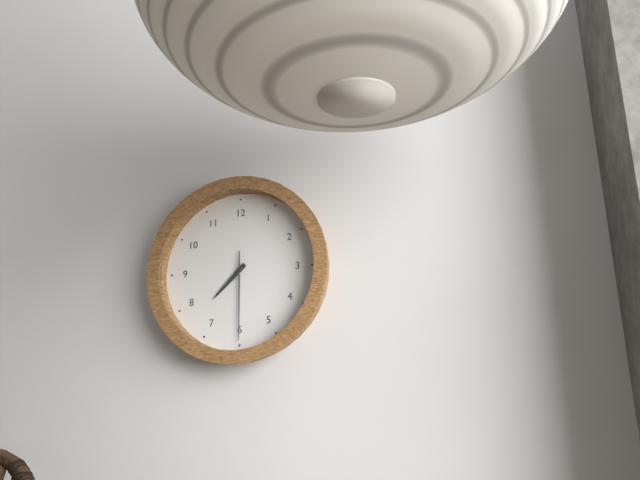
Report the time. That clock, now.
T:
7:30
